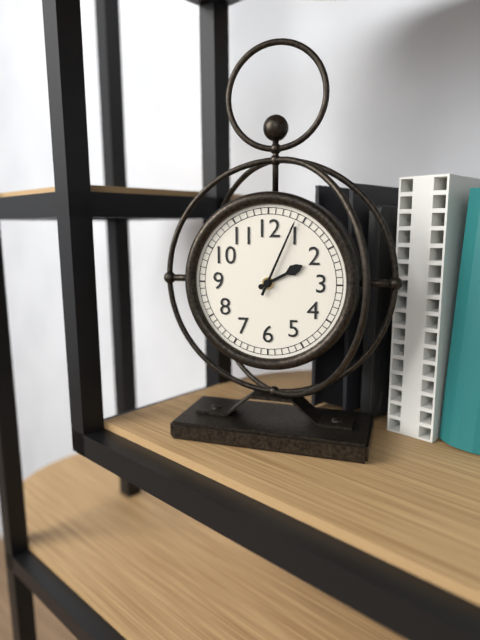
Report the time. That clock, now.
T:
2:04
